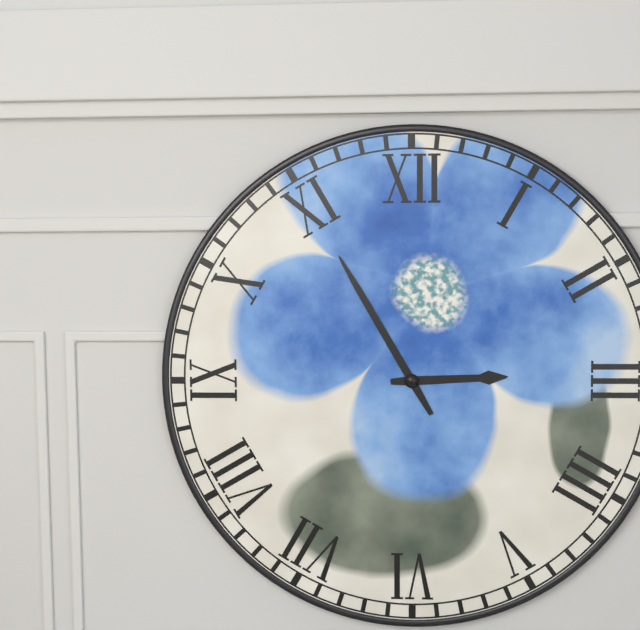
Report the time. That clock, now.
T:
2:55
